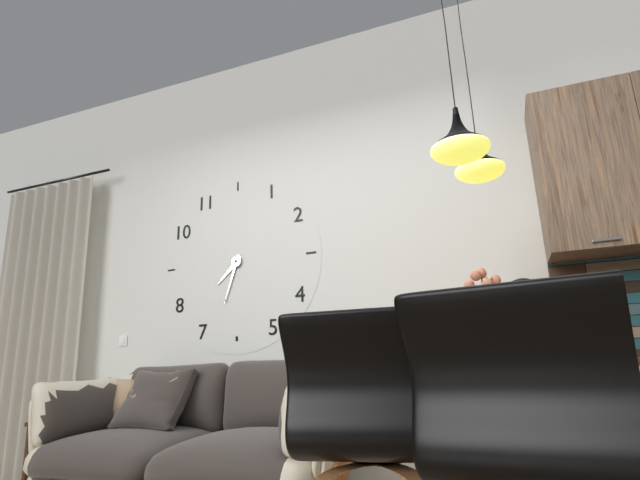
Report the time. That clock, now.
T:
7:33
